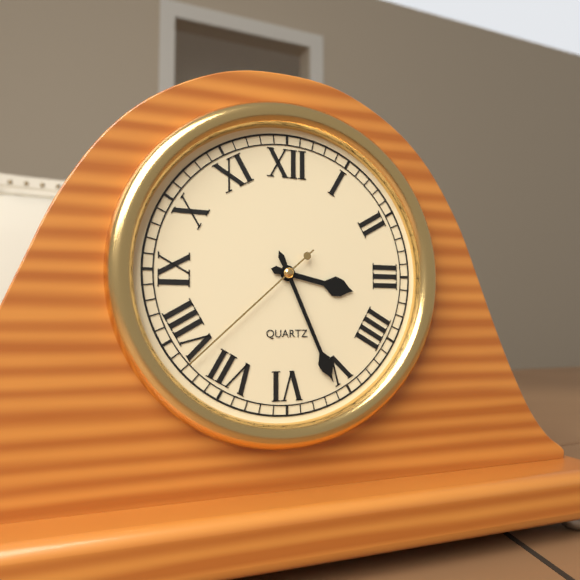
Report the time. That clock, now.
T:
3:26:38
